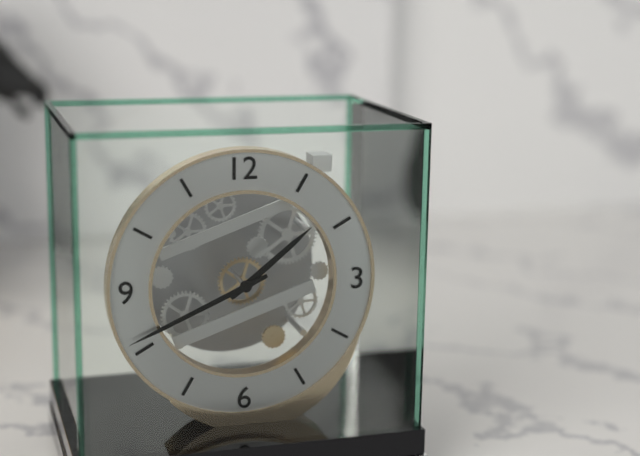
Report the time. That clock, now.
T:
1:41
